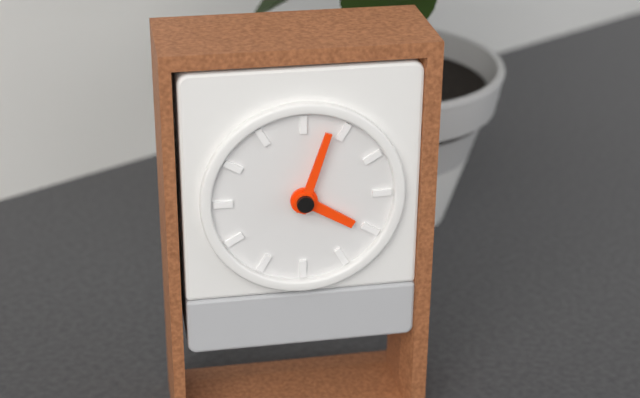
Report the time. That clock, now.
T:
4:03
